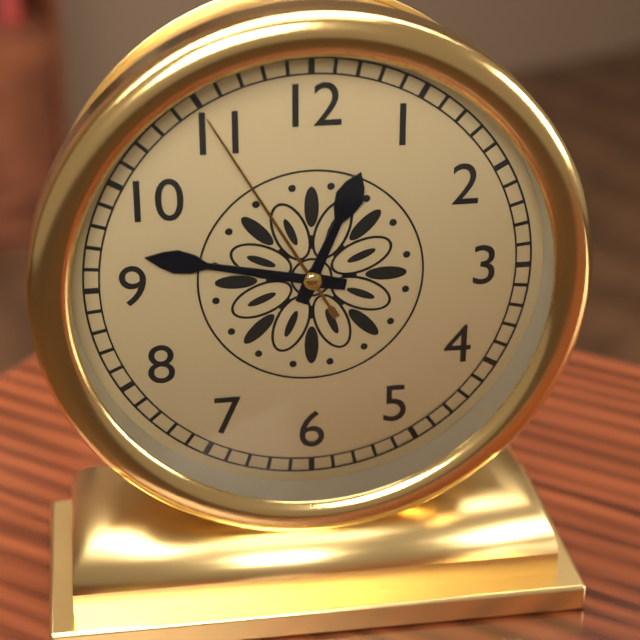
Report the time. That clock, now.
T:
12:47:55
